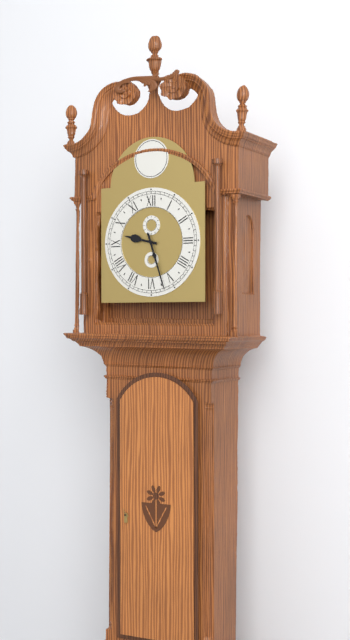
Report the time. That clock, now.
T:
9:27
